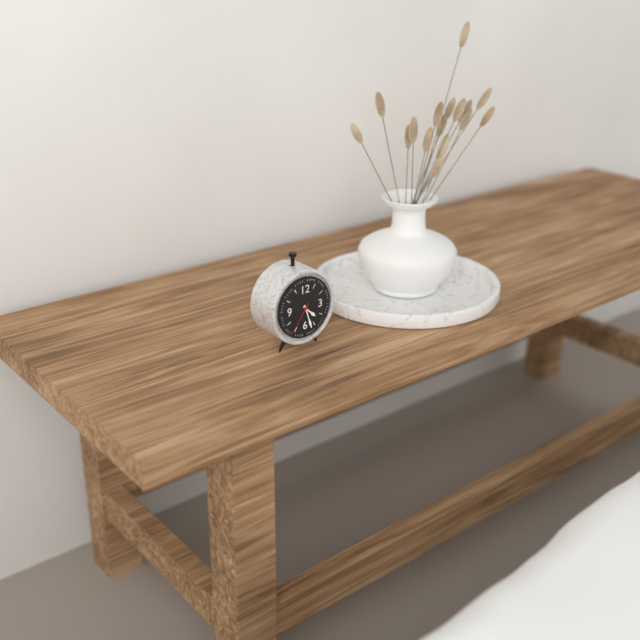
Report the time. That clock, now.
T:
4:27
